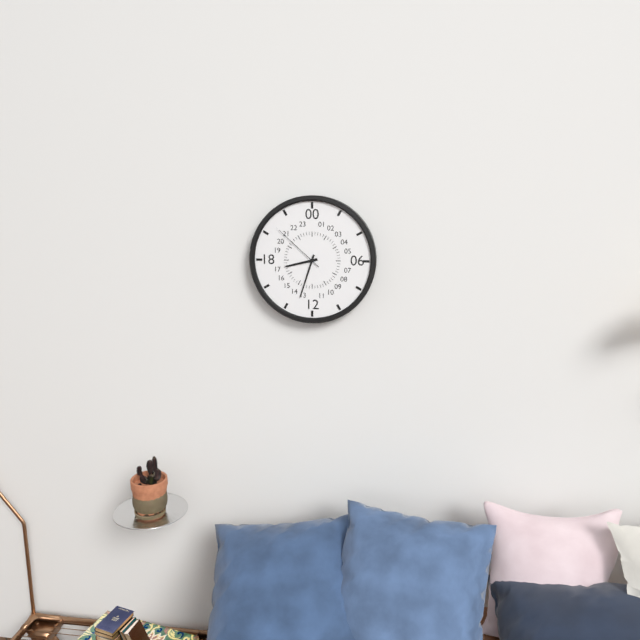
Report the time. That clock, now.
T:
8:33:52
